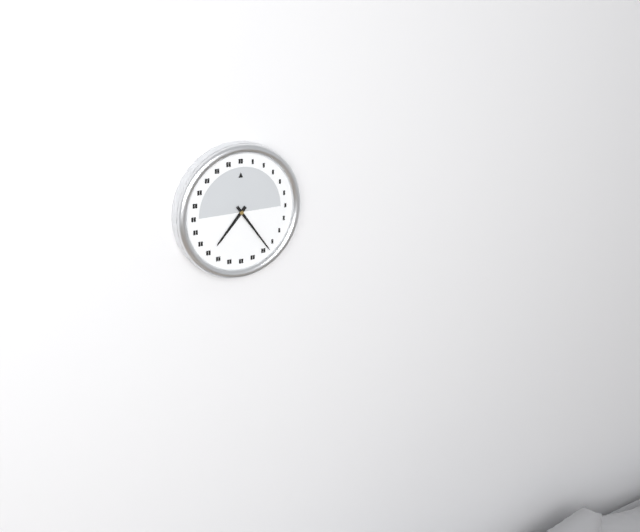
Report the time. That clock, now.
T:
7:24
